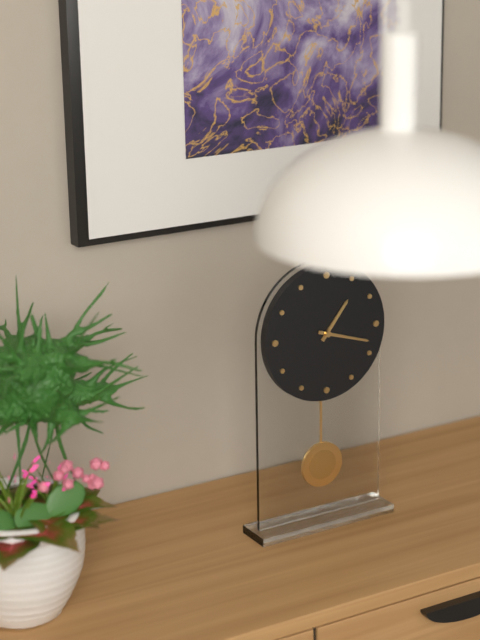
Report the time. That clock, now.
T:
1:18
